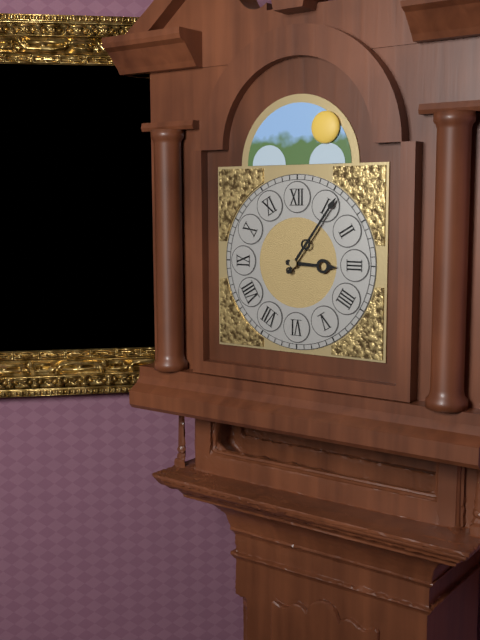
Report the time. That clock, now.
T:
3:06
